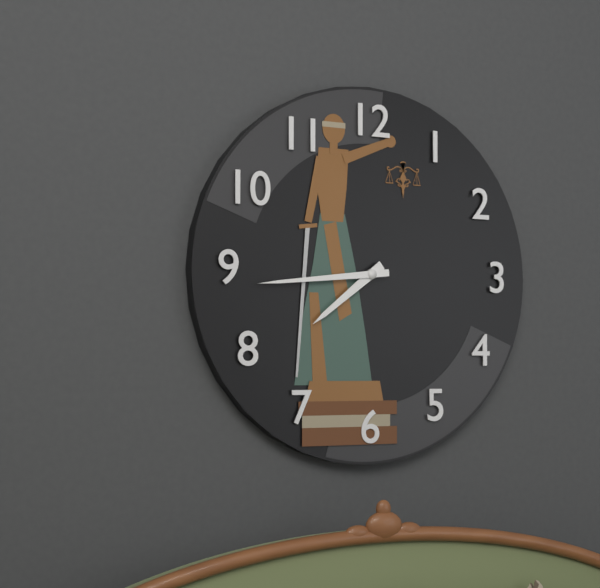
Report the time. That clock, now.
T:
7:44
